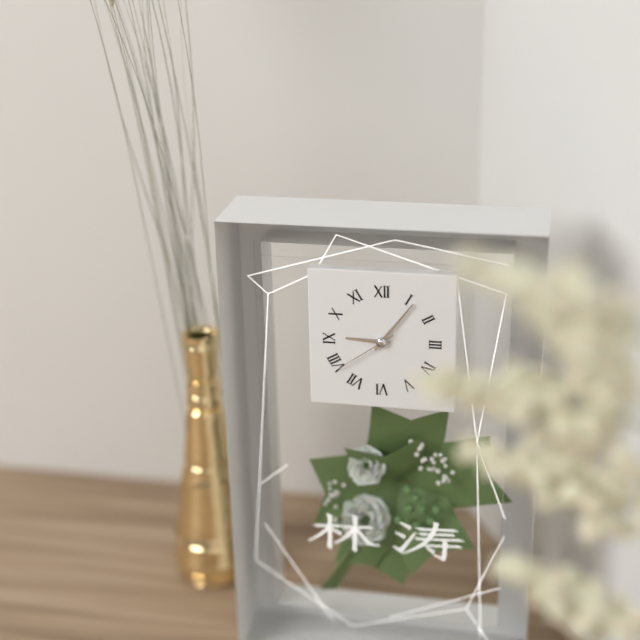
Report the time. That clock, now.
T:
9:06:39
